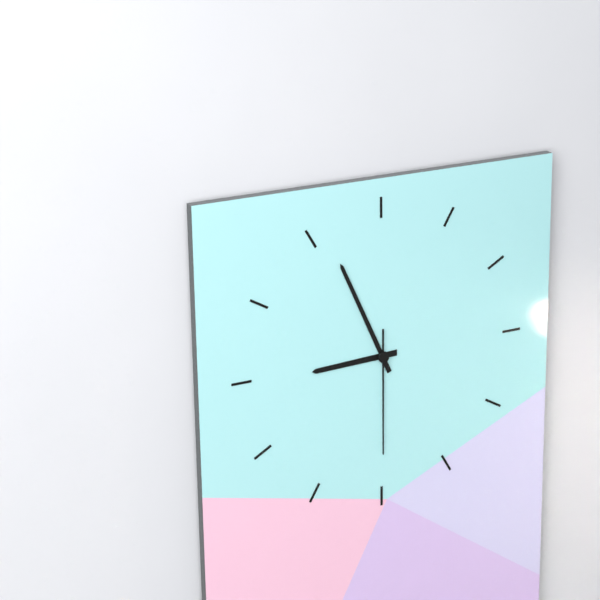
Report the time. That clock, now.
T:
8:56:30
